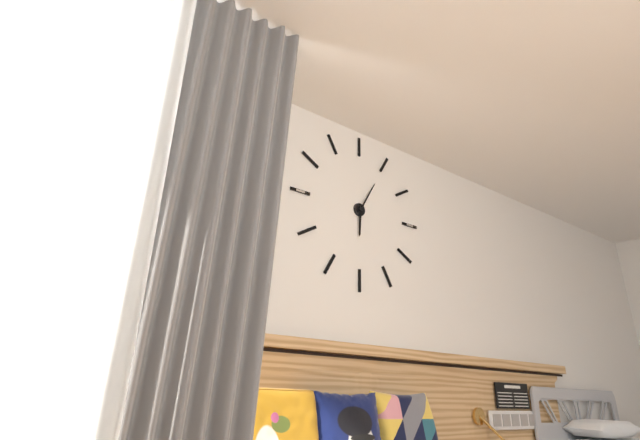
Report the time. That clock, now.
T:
6:05
